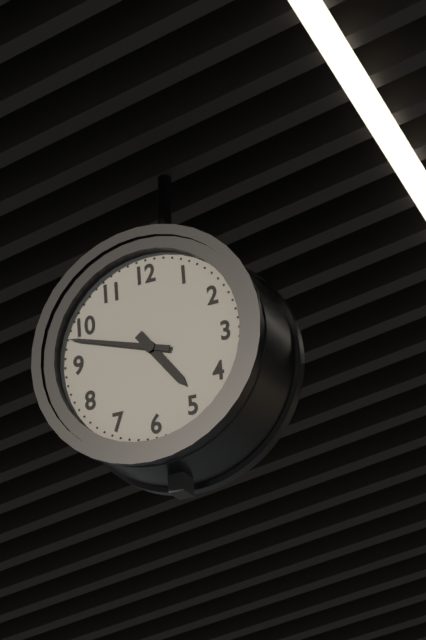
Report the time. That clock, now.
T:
4:48
